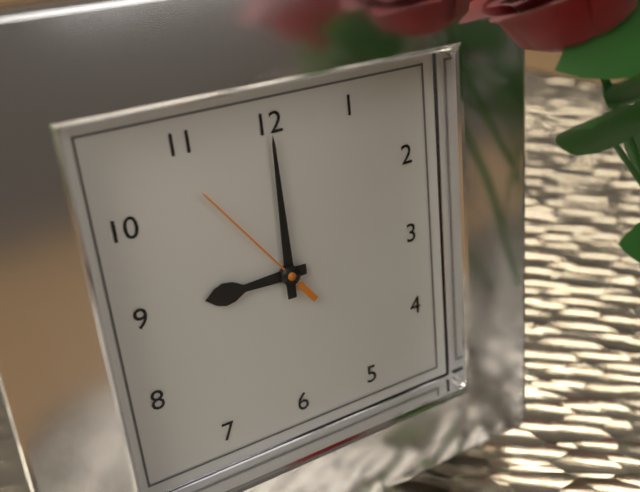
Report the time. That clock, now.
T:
9:00:54
